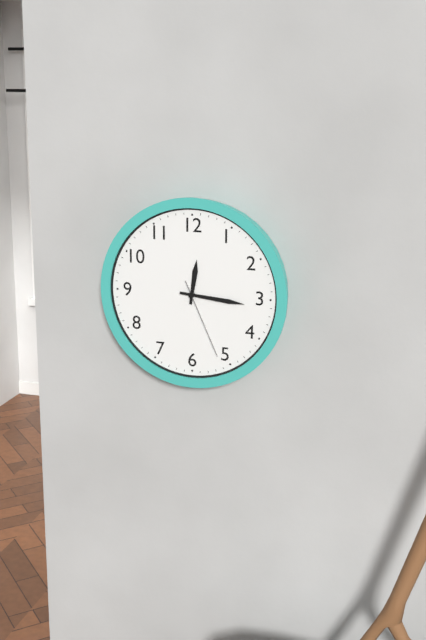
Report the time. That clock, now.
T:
12:16:26
